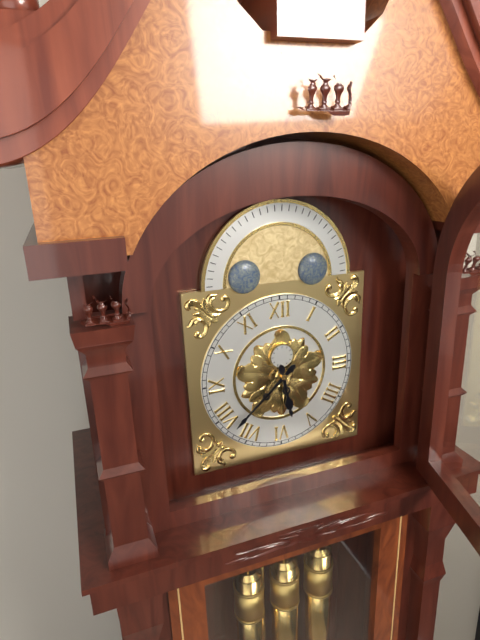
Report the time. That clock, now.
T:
5:38
